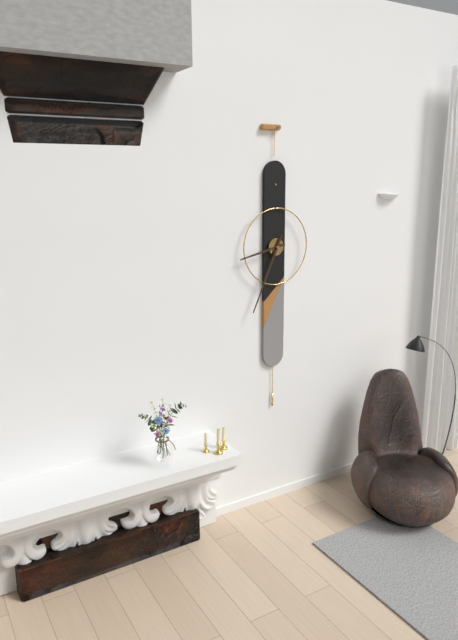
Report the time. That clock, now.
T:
8:34
